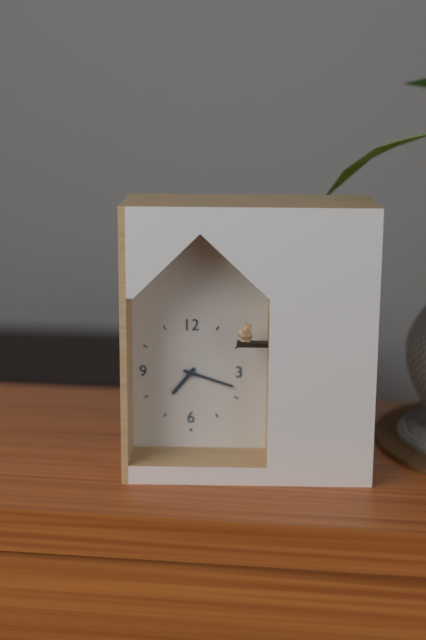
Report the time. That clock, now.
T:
7:18
